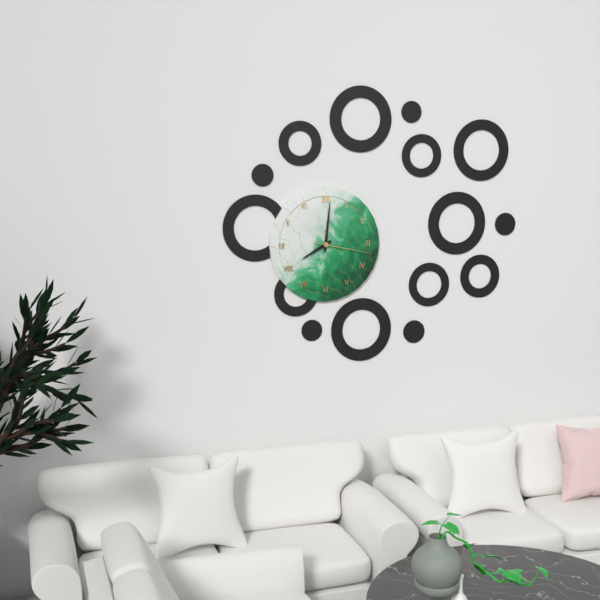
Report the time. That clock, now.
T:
8:01:17
